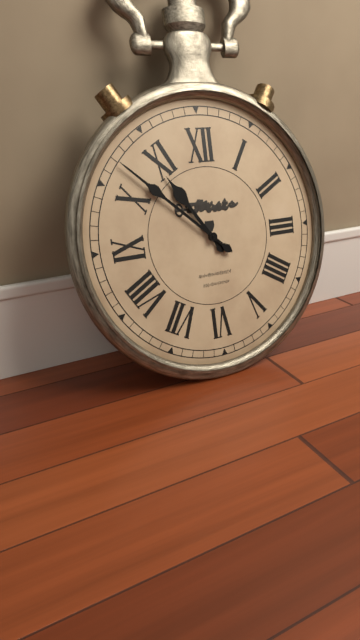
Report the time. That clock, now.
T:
10:52
